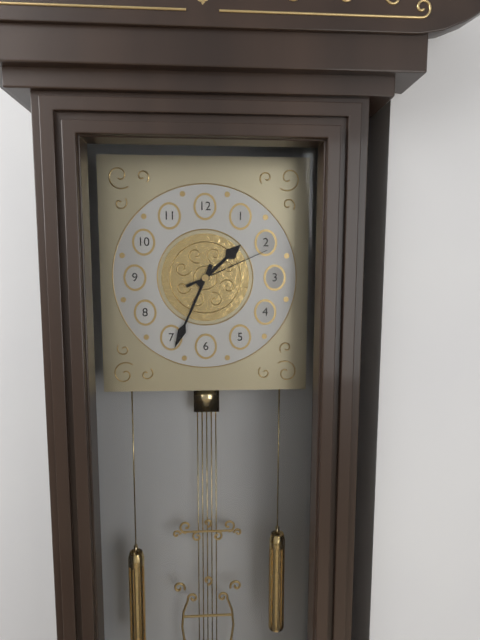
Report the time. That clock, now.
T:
1:34:11
